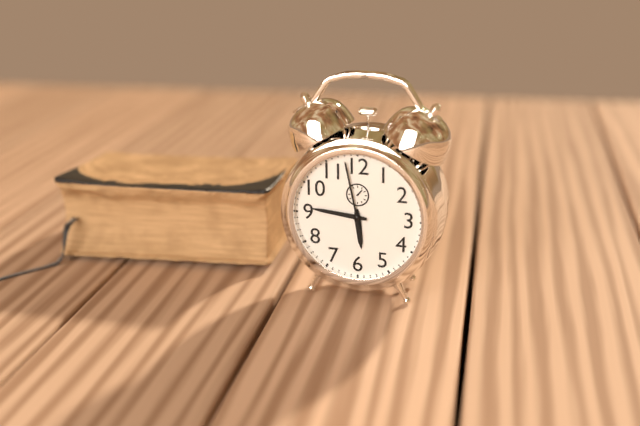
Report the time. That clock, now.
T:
5:46:58
